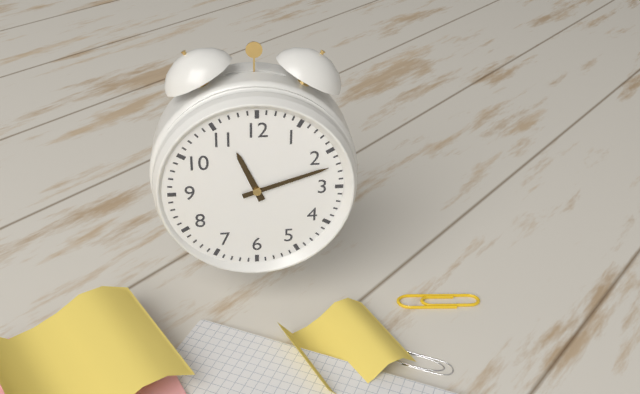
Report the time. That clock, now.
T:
11:12
